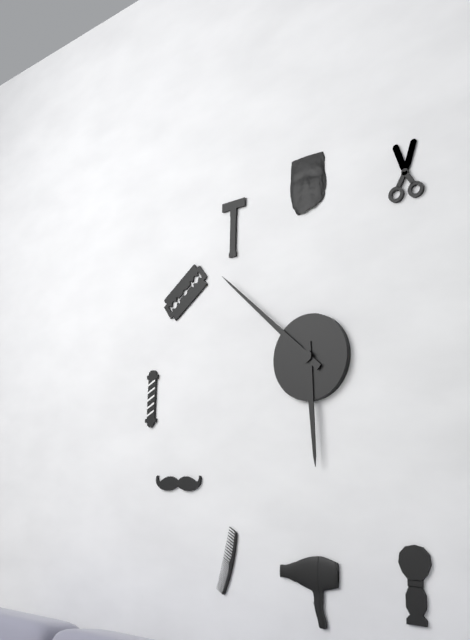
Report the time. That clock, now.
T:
5:52
